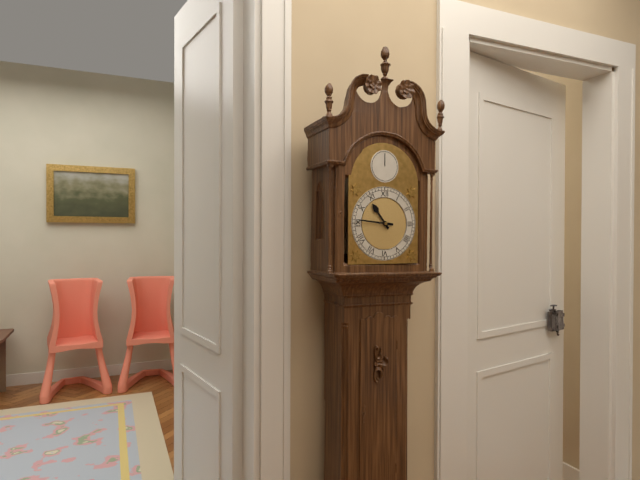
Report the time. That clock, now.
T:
10:46
